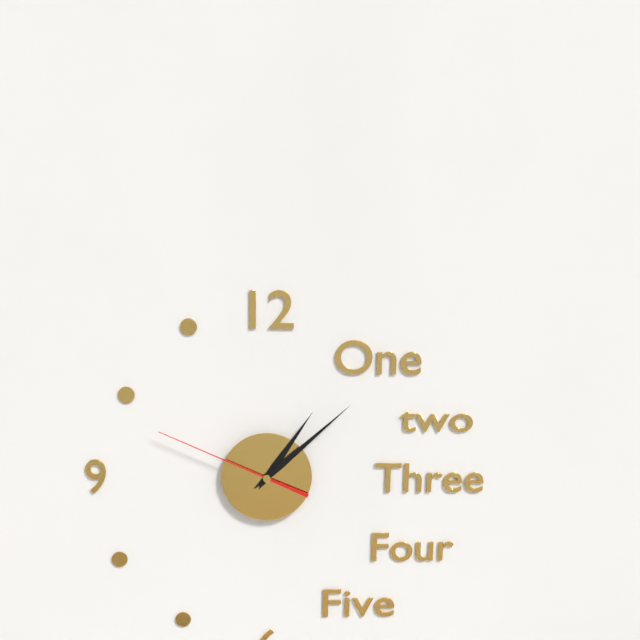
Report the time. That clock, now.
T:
1:08:49
